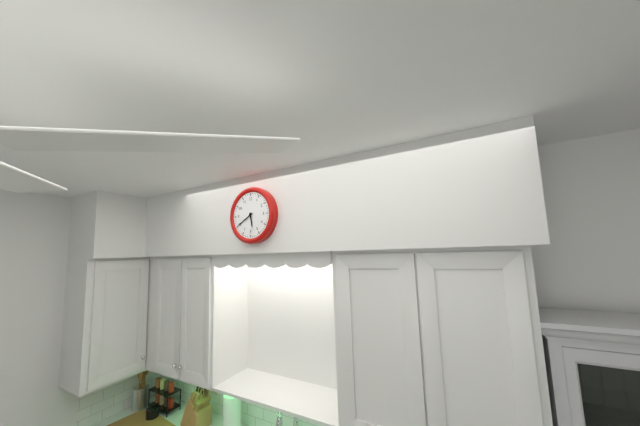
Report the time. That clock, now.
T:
5:40
